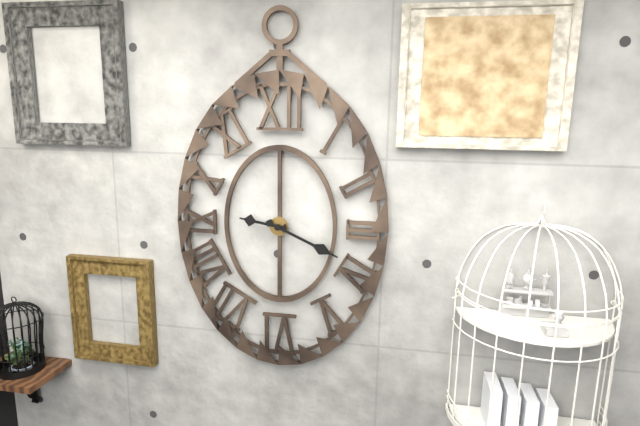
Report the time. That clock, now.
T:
9:19
